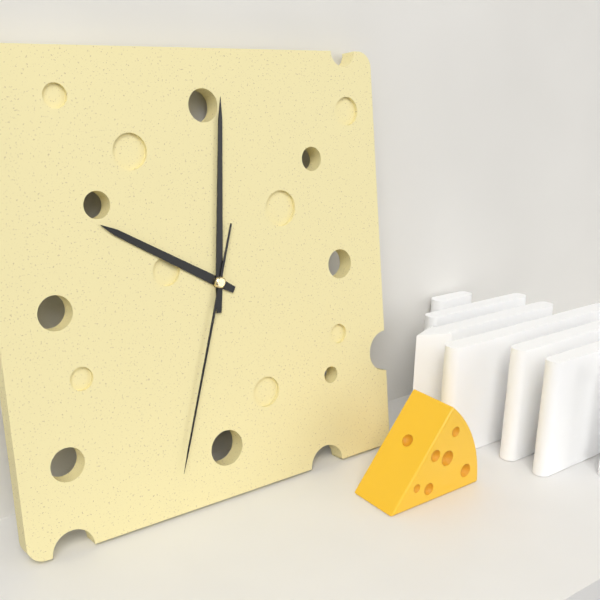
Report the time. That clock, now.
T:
10:01:33
